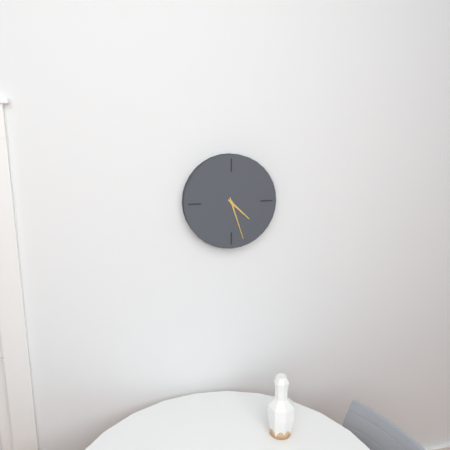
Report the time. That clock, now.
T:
4:27
